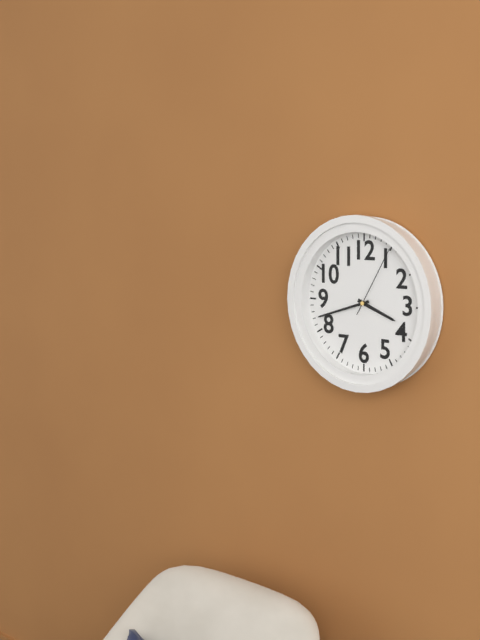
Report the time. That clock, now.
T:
3:42:05
